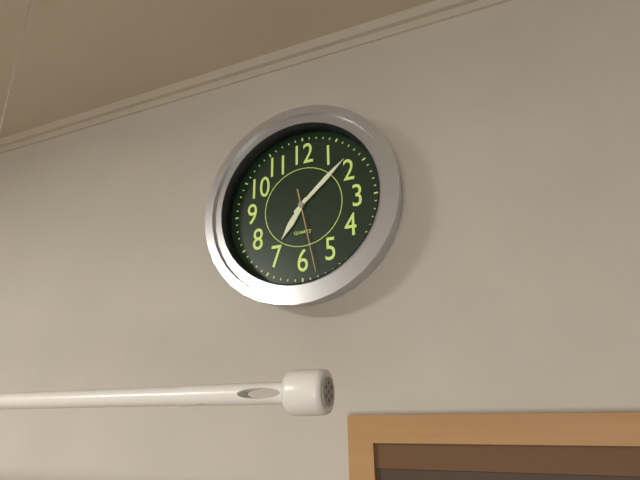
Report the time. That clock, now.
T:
7:08:28
